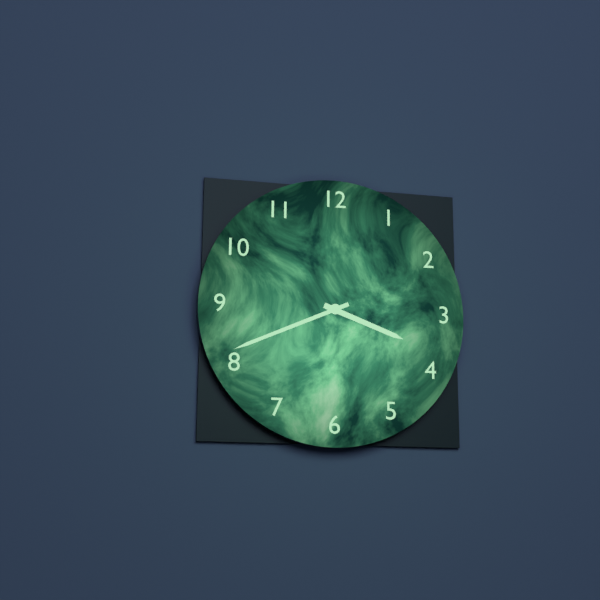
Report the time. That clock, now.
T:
3:41
